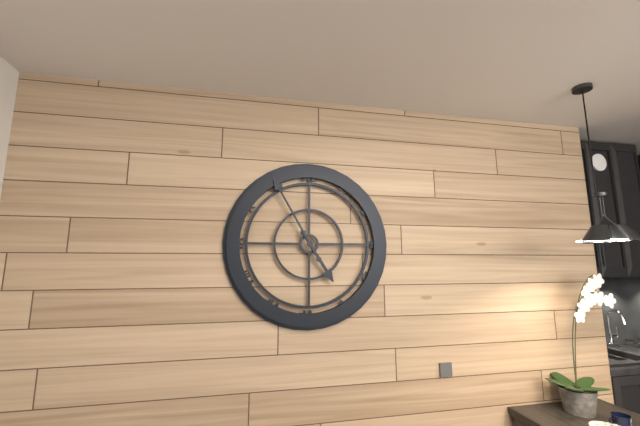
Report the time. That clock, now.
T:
4:55
